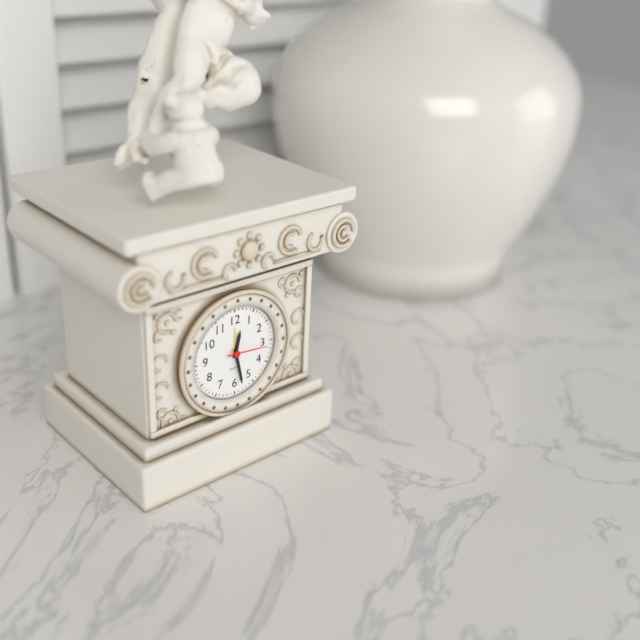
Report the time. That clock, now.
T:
12:28
